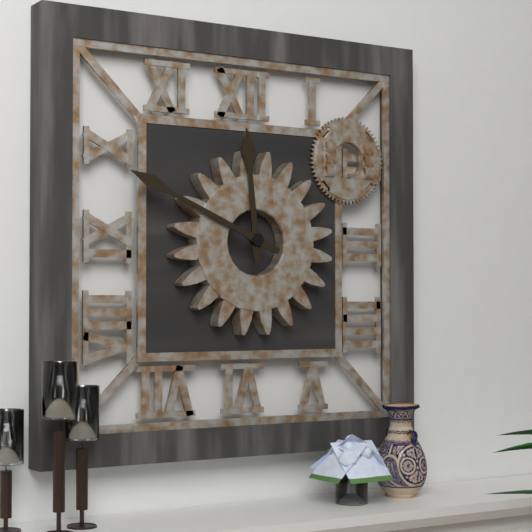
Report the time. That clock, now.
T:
11:49
